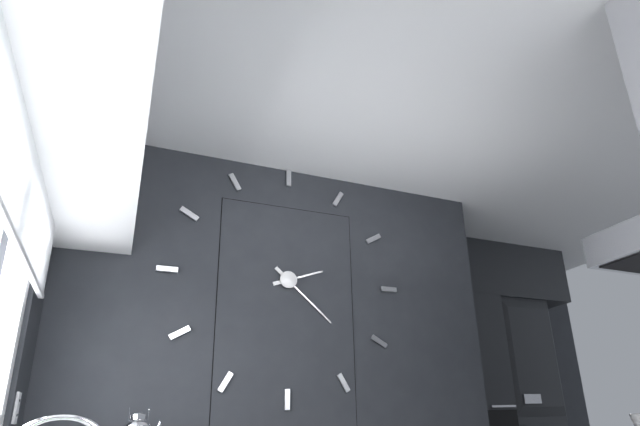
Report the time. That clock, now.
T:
2:22
